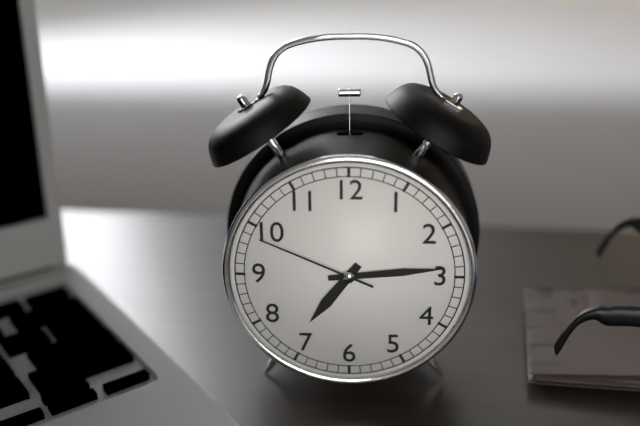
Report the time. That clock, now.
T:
7:14:49
